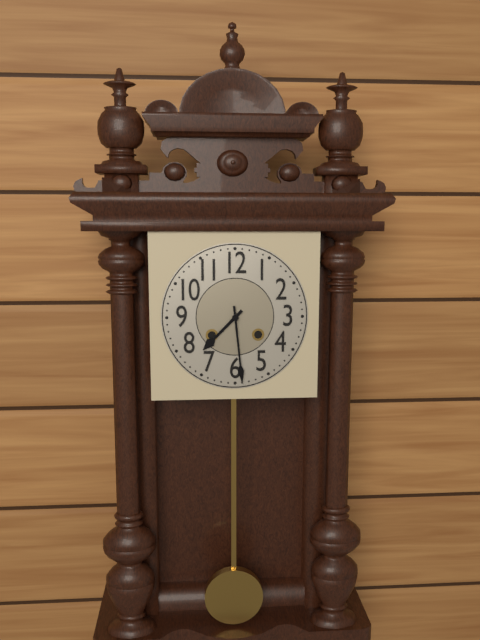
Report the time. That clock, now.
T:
7:29
